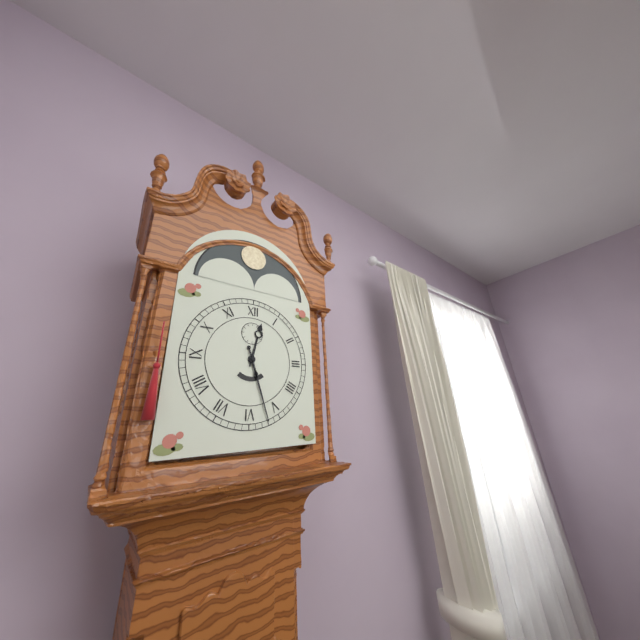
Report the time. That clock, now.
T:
12:27
